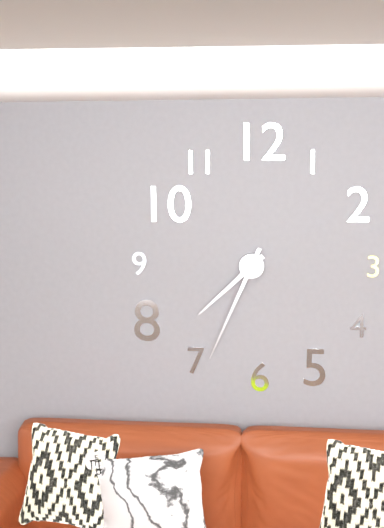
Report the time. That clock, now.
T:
7:34
